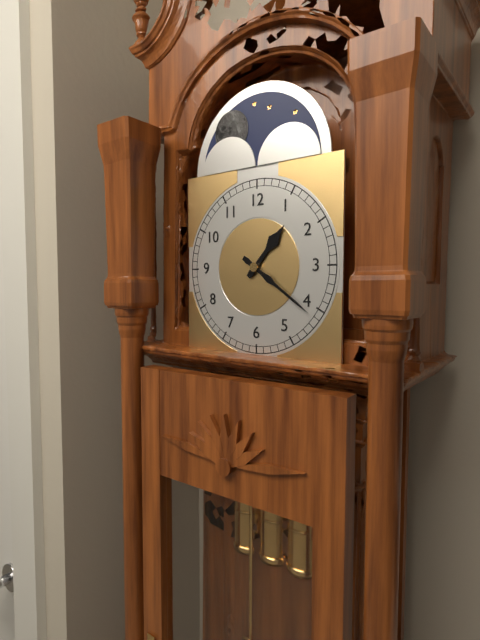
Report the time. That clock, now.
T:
1:21
